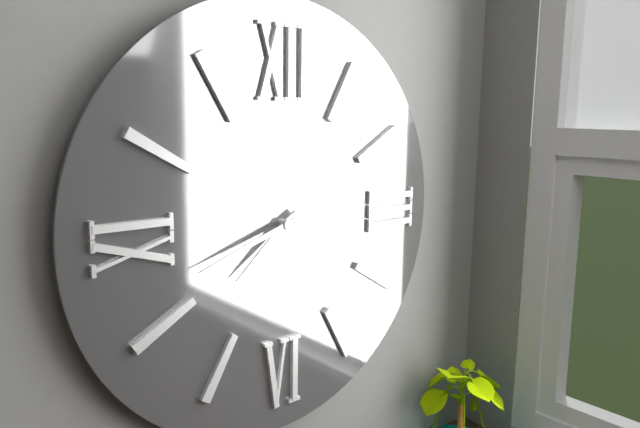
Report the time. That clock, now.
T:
7:42
